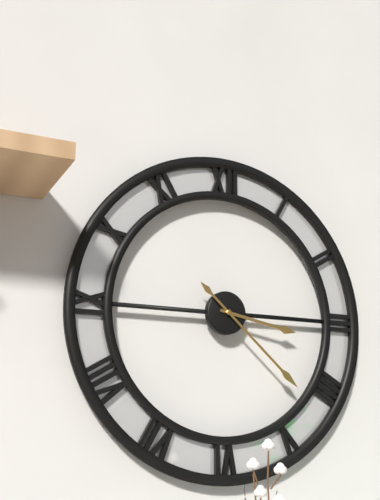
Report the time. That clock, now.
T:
3:22
